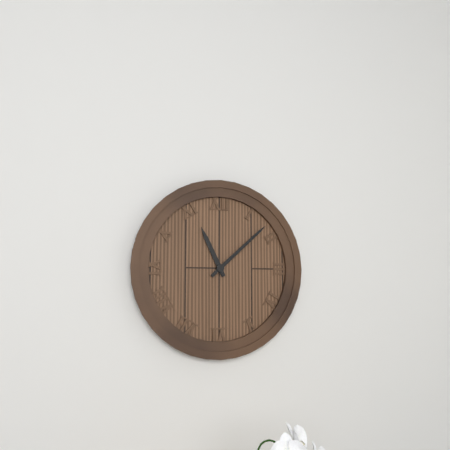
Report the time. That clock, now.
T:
11:08
